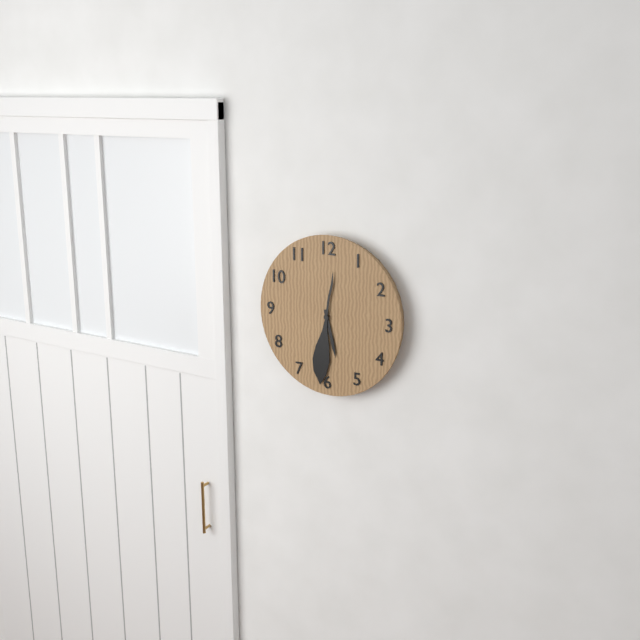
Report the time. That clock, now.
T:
5:31
